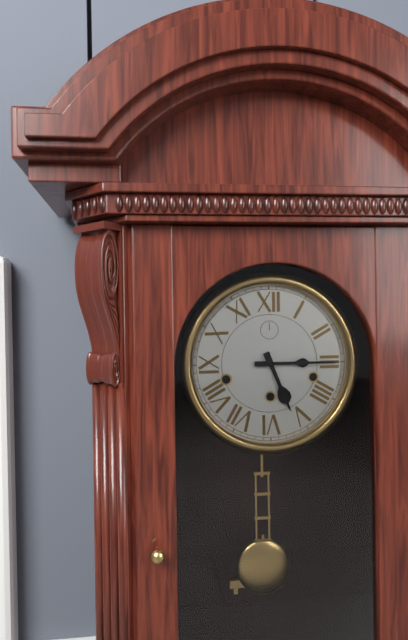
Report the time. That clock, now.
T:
5:15
